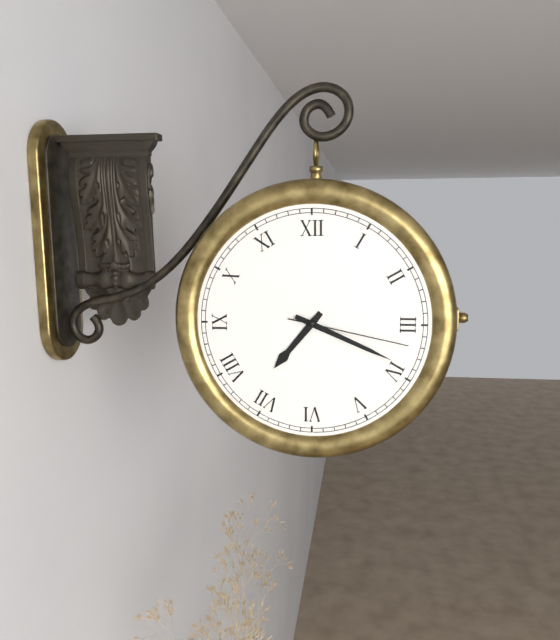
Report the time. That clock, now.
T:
7:19:17
